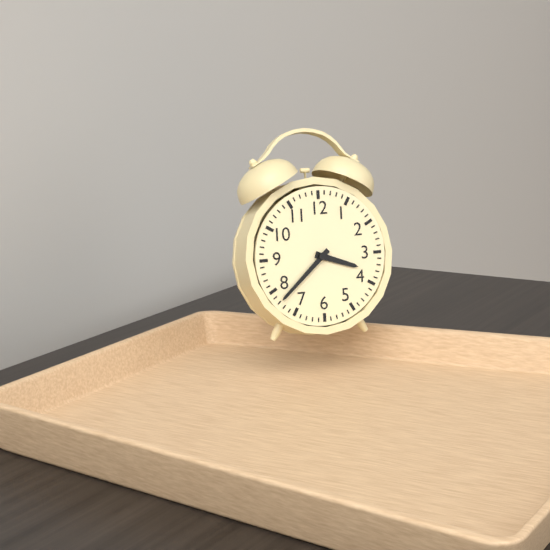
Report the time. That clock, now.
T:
3:38
